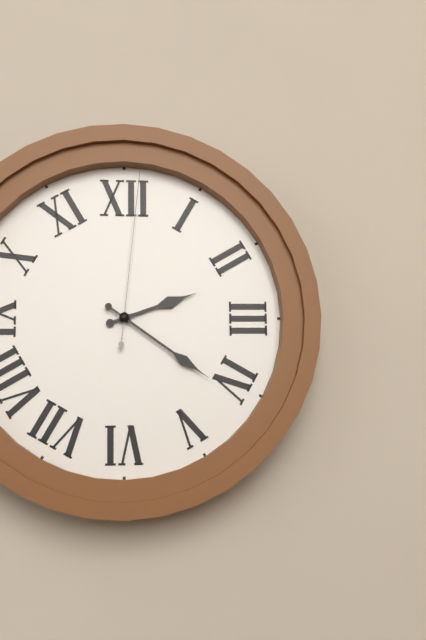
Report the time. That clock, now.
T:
2:21:01
